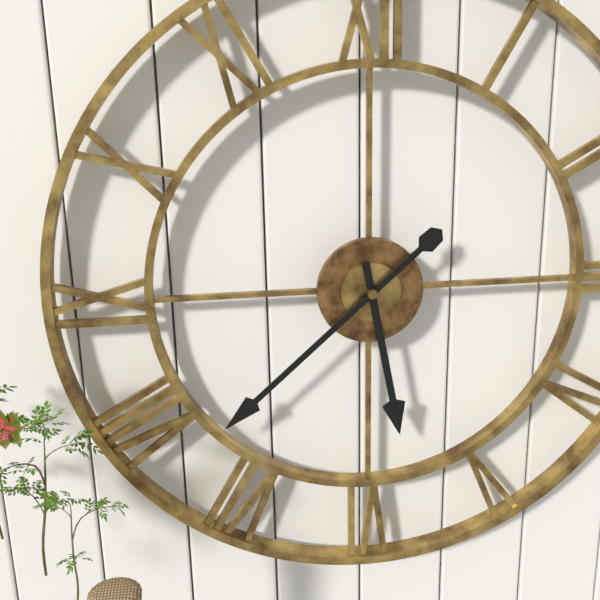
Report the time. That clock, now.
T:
5:38
